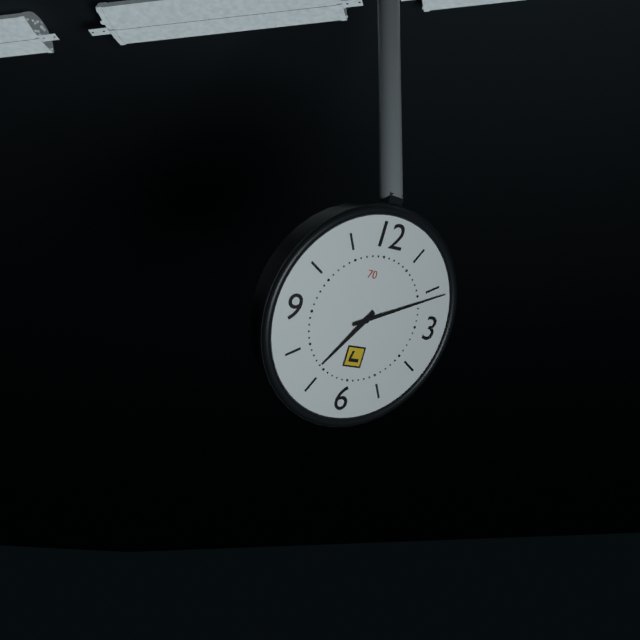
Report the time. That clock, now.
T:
7:11
